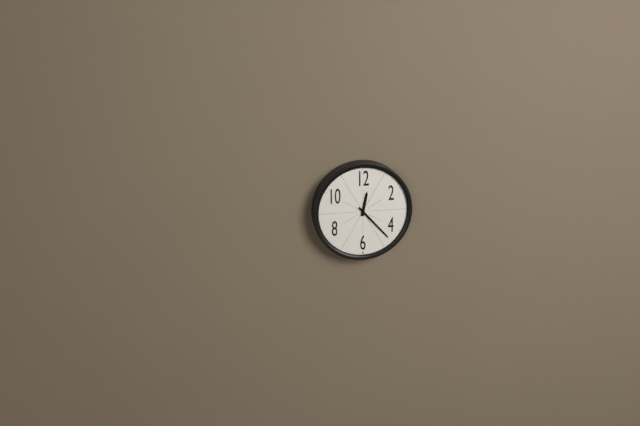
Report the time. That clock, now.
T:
12:23
